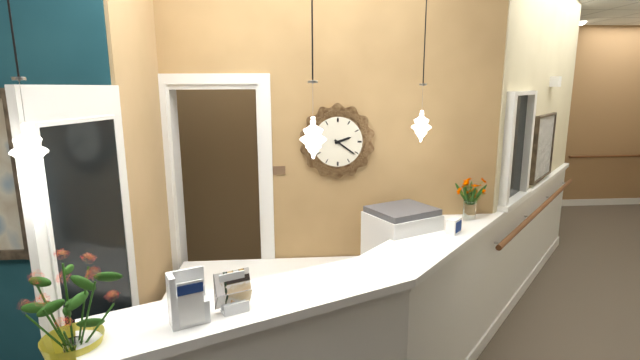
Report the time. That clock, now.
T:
2:21
